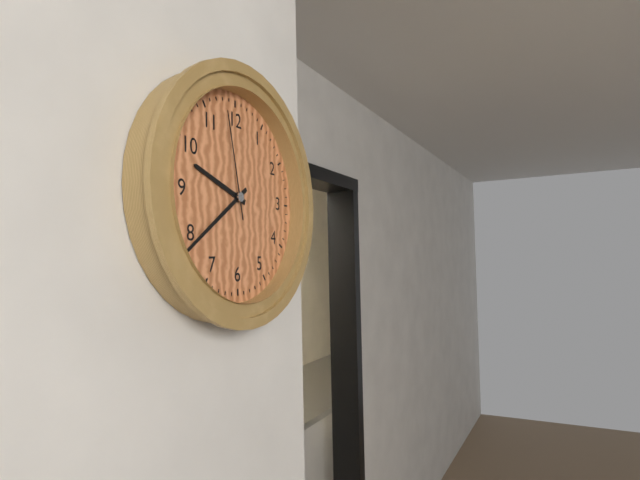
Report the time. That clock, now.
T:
9:39:58
